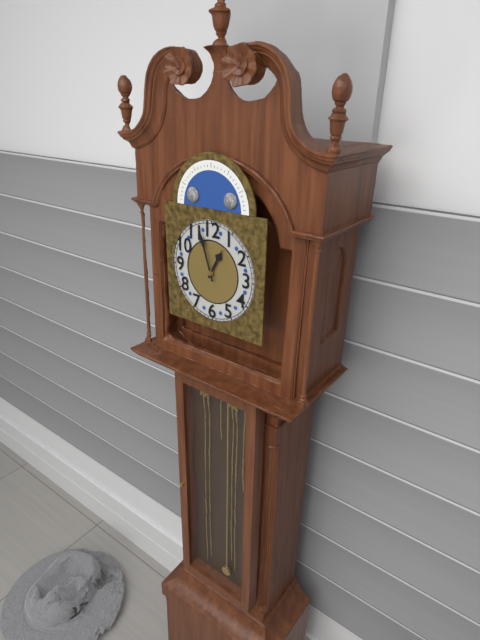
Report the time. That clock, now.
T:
12:57
